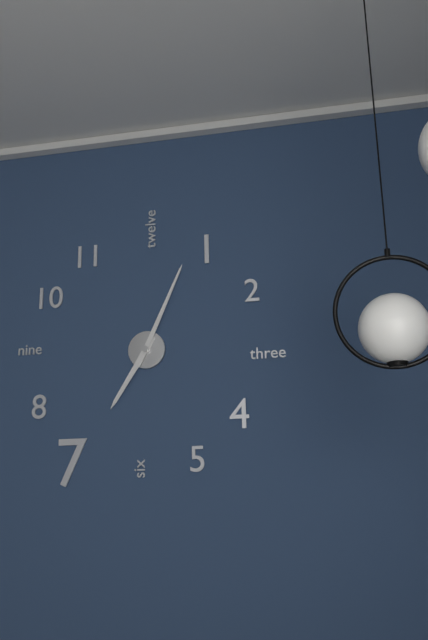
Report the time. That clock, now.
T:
7:04
